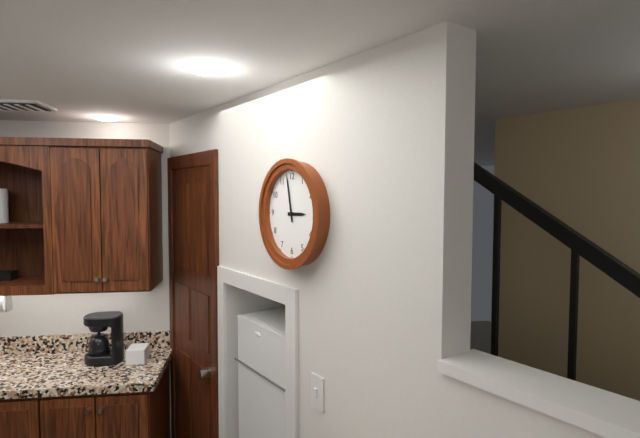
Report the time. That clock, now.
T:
2:58
